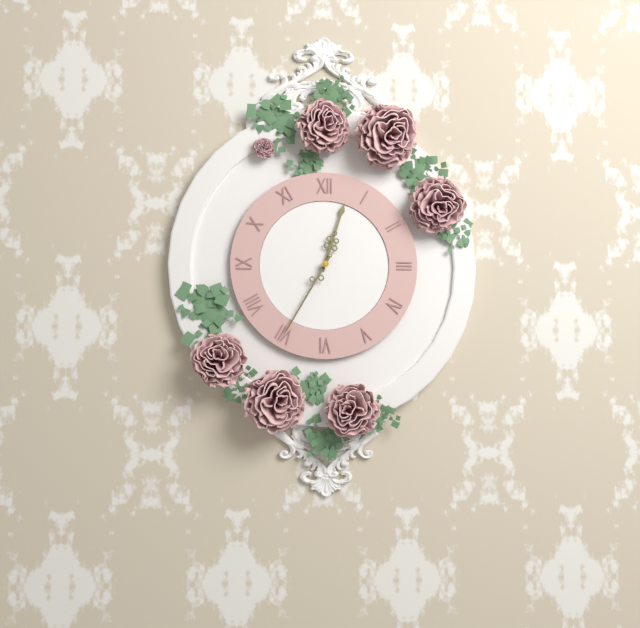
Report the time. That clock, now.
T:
12:35
